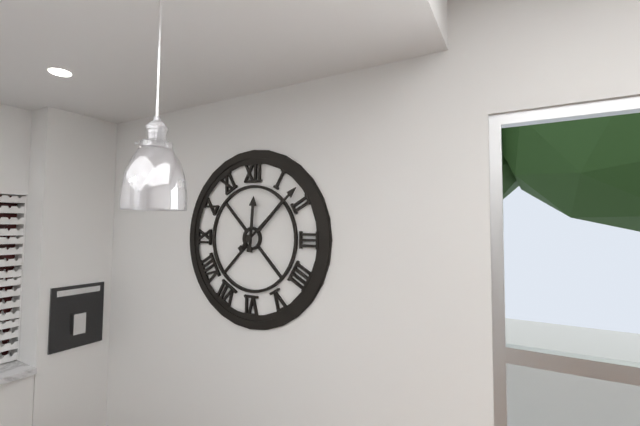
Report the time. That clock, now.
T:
12:08
